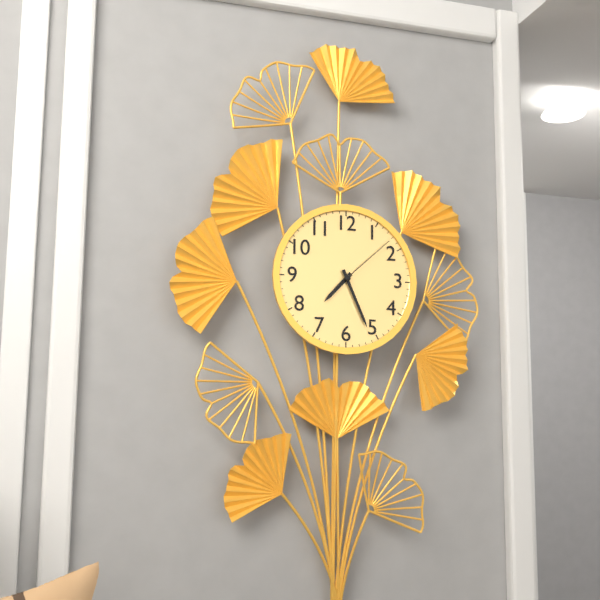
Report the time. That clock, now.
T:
7:26:08
